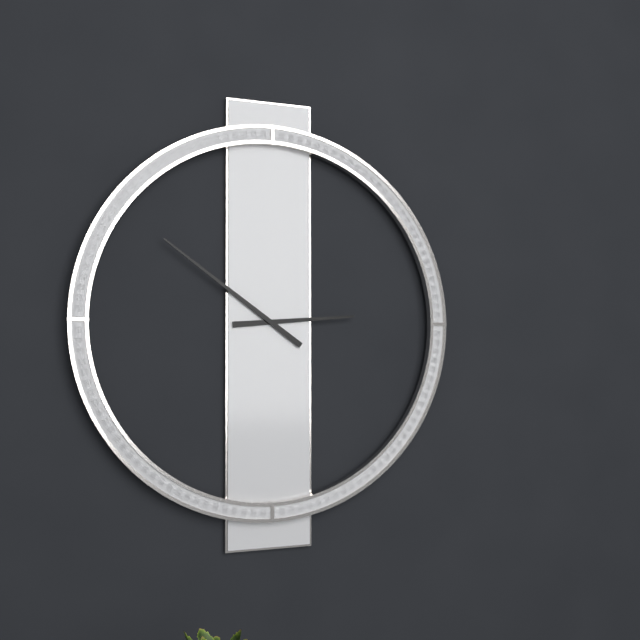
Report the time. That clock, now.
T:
2:51
